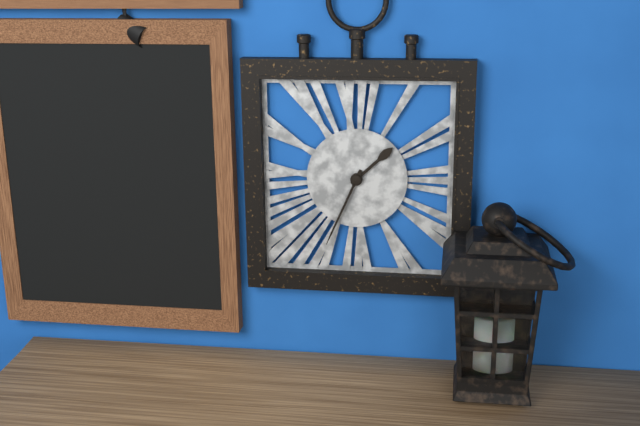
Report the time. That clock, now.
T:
1:34
